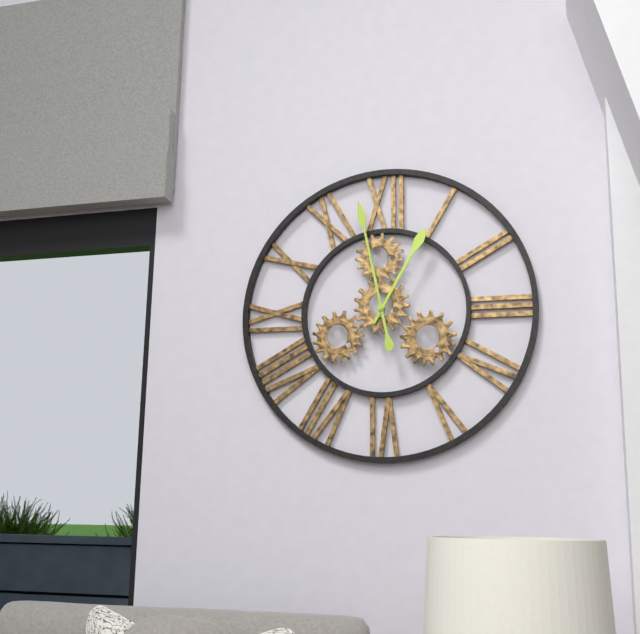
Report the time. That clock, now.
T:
12:58
